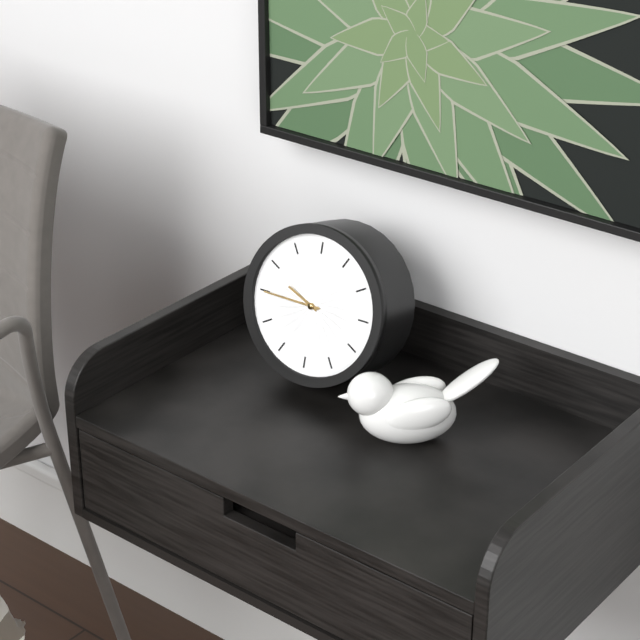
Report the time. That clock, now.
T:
9:45
